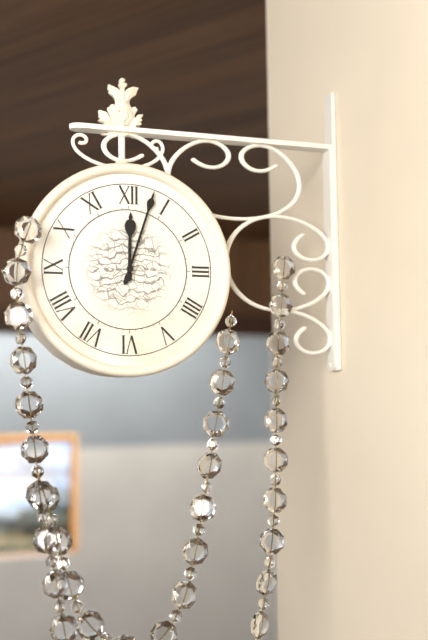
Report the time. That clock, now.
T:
12:03
